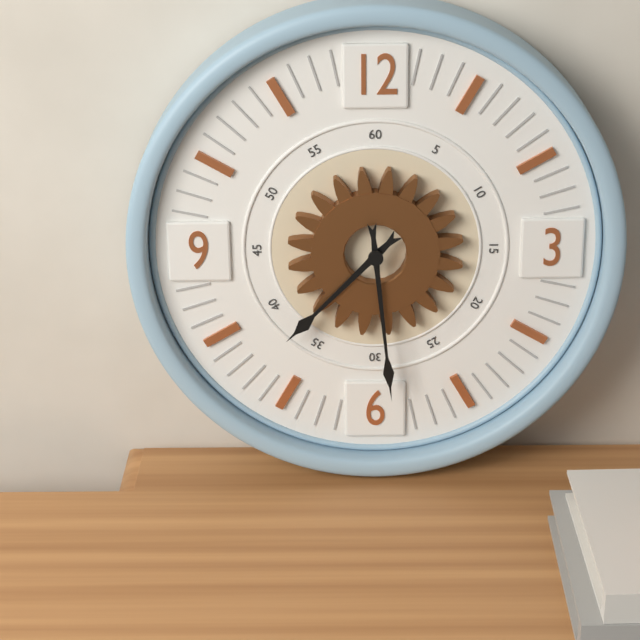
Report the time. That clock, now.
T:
7:29
